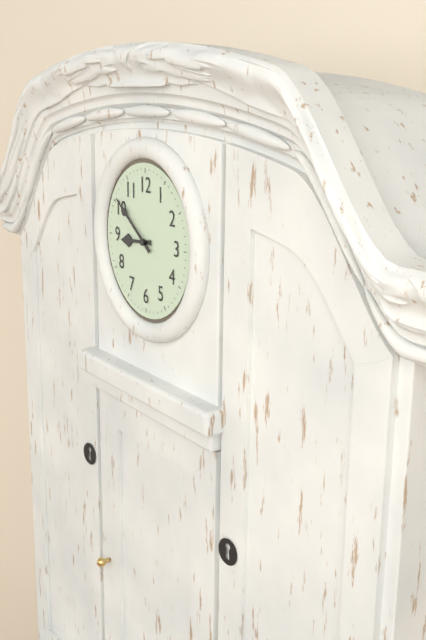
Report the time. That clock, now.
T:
8:51
